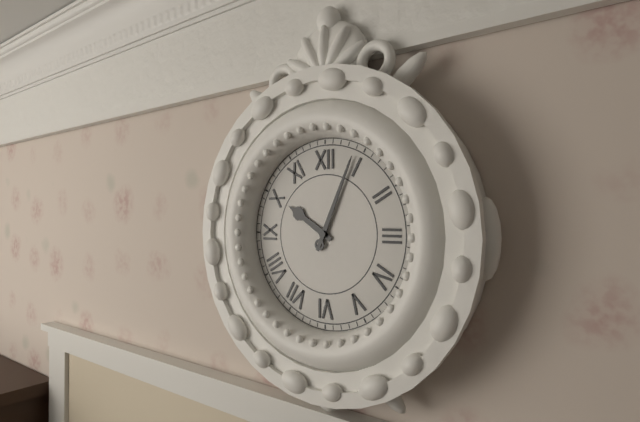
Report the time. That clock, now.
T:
10:04
